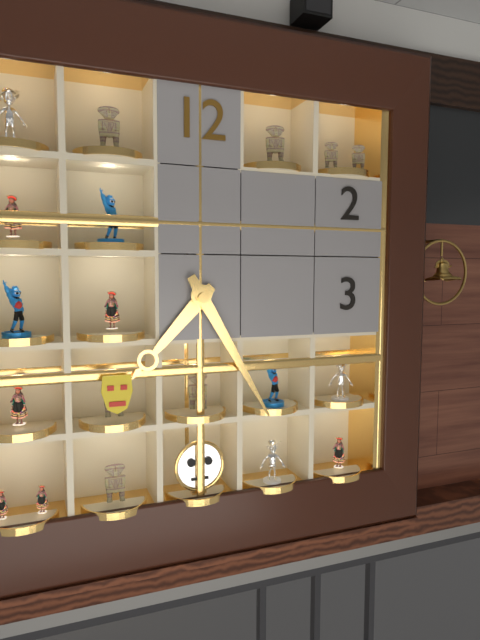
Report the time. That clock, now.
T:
7:25
